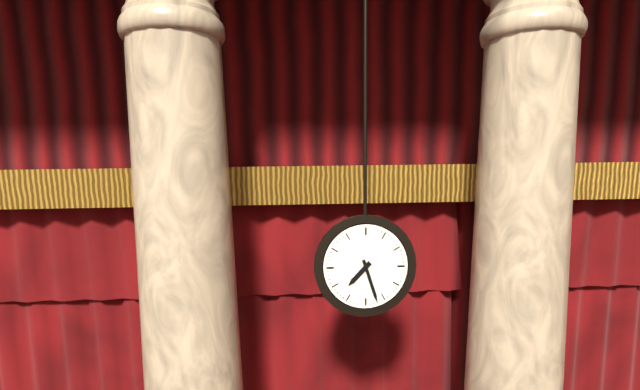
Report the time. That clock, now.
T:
7:27
